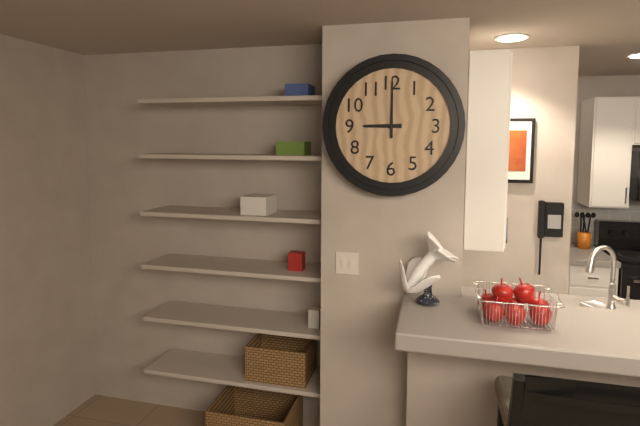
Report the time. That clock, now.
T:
9:00
